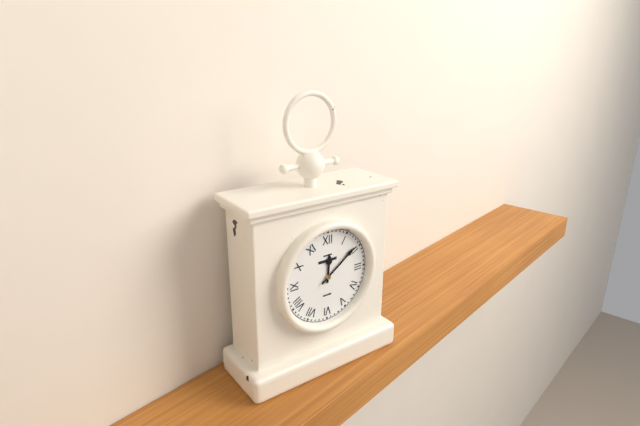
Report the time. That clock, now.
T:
12:09
